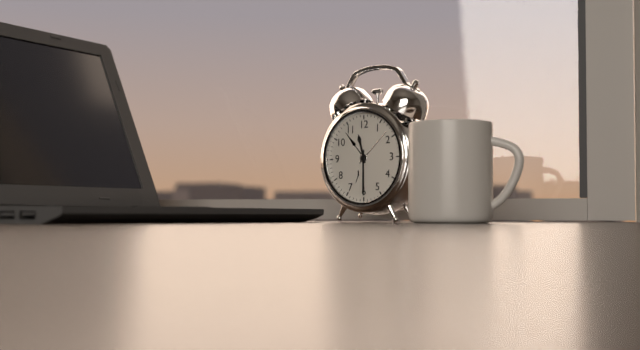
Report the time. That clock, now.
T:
11:30
